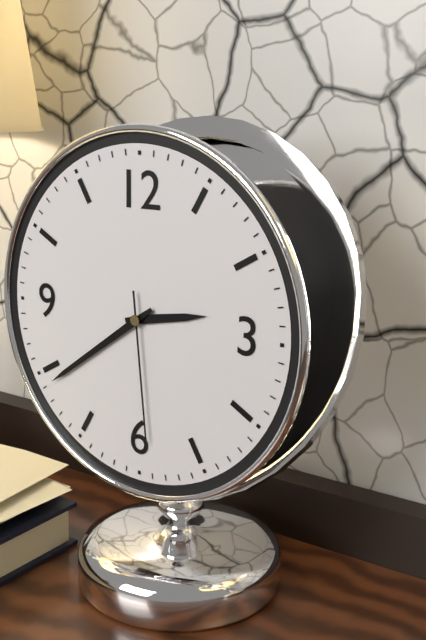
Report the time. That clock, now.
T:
2:39:29
